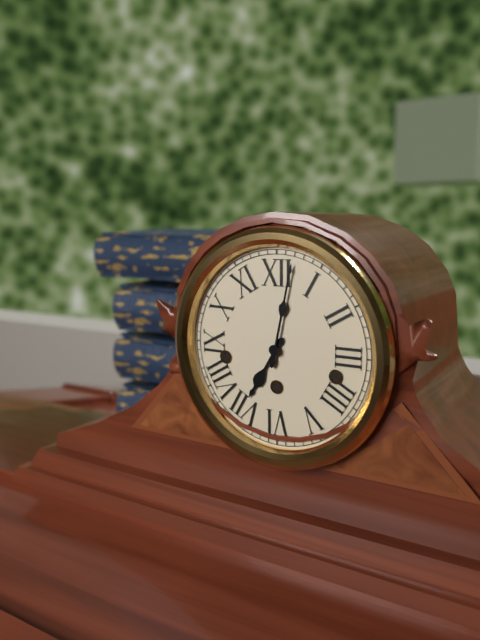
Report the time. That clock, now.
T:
7:02
